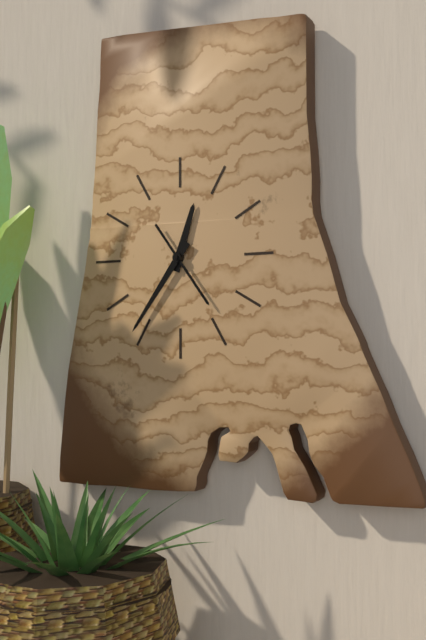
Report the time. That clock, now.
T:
12:36:24
